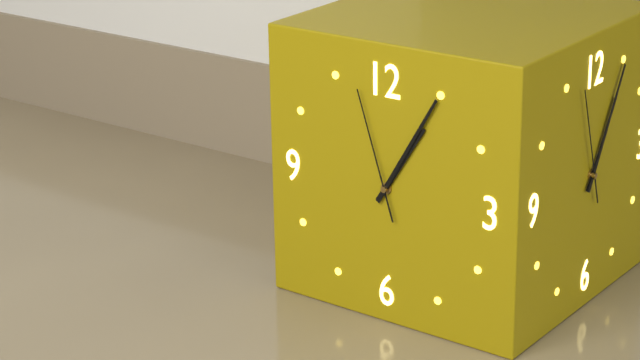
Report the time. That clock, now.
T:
1:05:57
